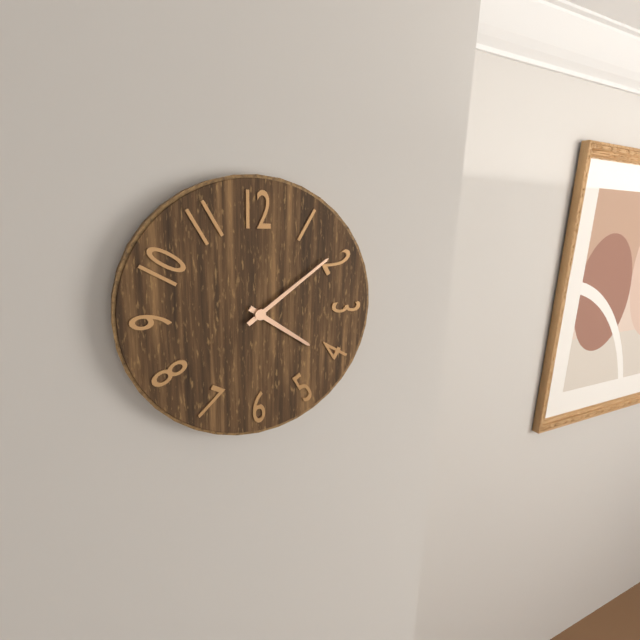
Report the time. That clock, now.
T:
4:09
